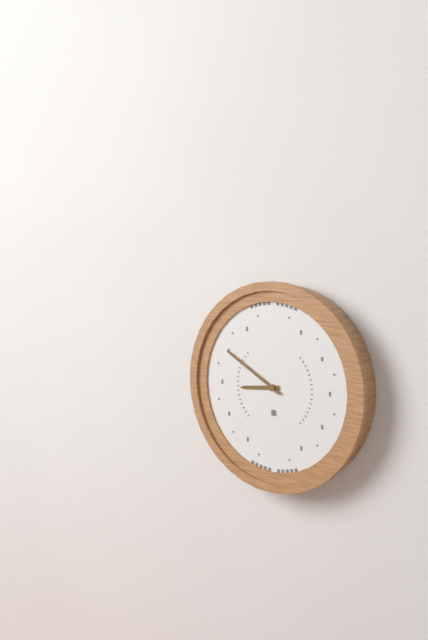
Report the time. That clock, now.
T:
8:50
